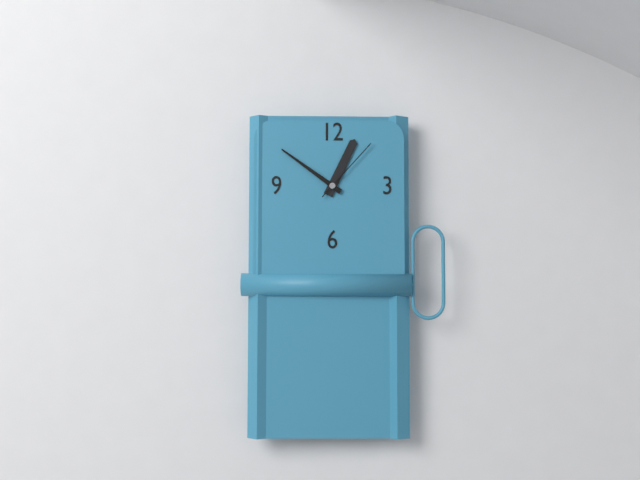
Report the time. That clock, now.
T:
12:51:07
